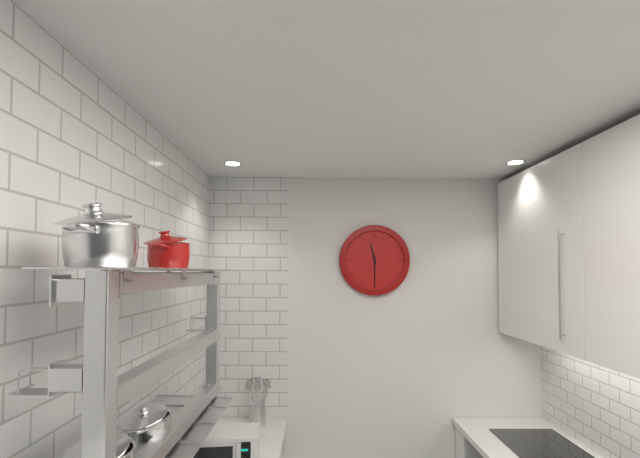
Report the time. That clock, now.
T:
11:30
